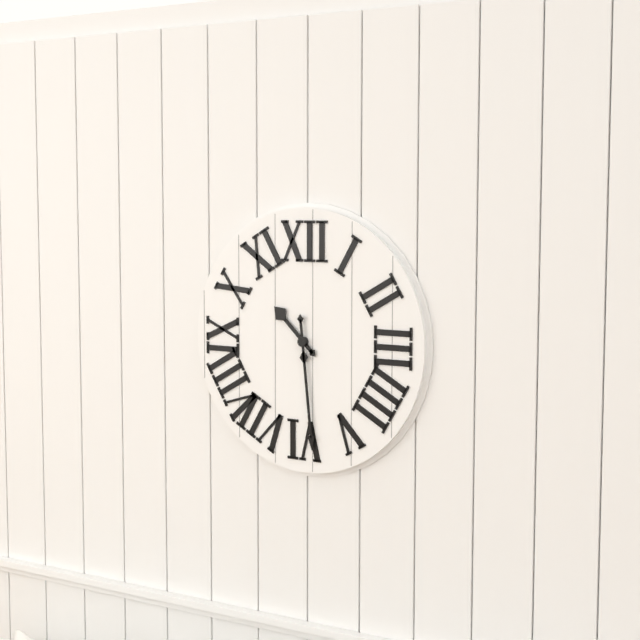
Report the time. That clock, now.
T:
10:29
